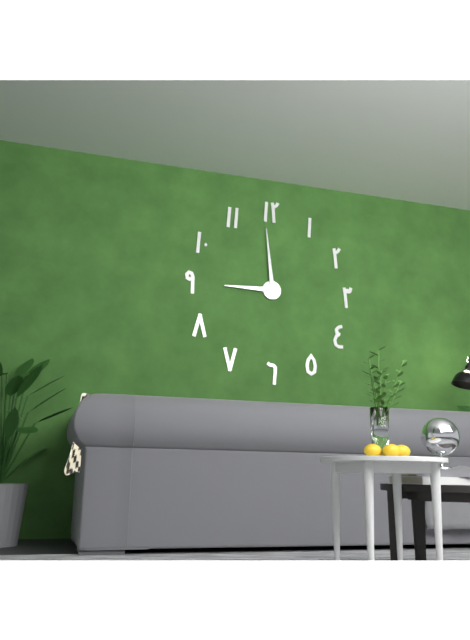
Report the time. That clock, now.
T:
8:59
